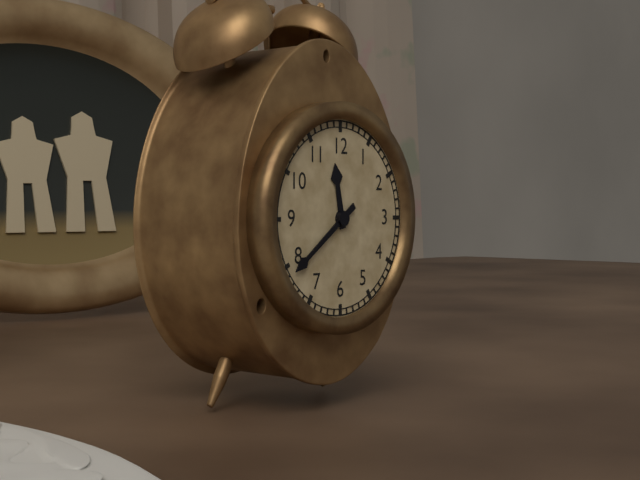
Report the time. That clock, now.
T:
11:39
